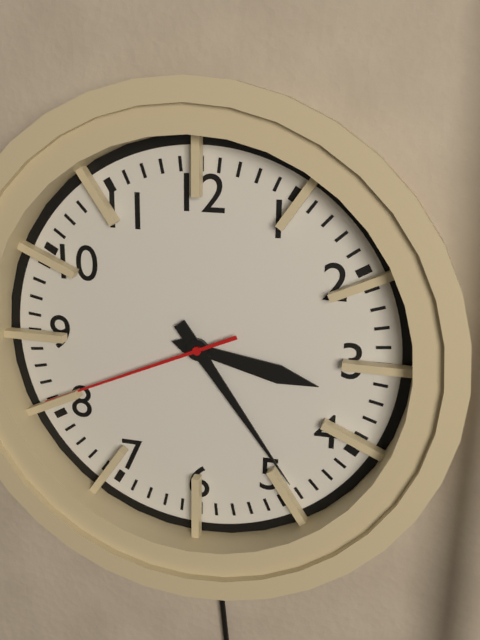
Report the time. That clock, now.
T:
3:24:41
